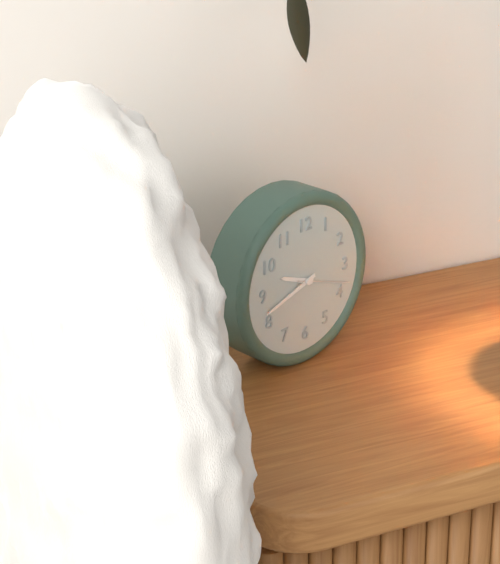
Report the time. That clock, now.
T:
9:42:18
